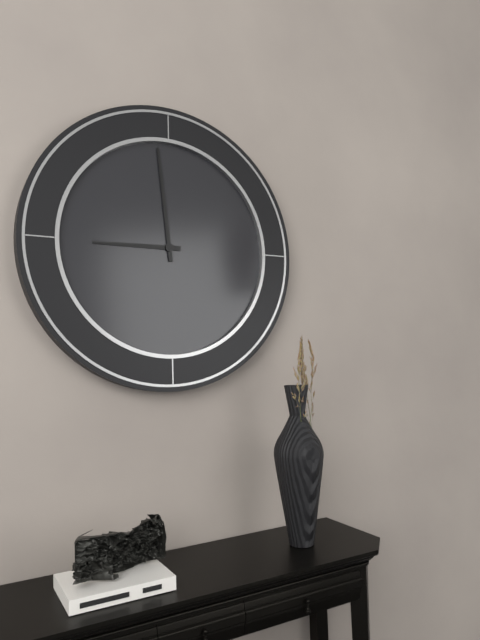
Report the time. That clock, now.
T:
8:59
